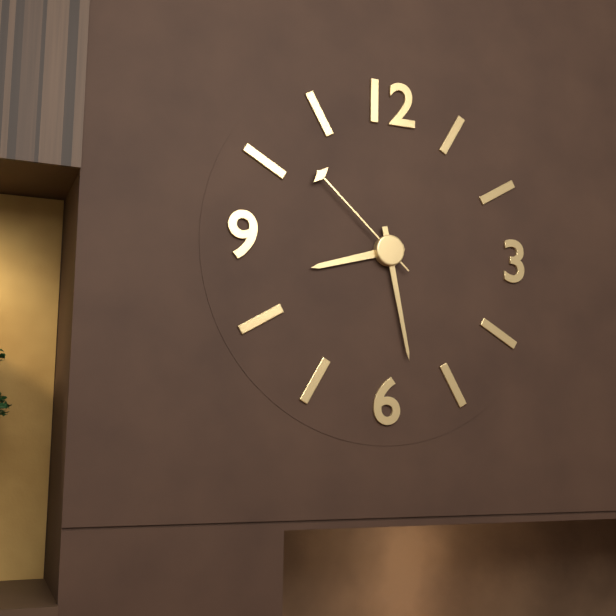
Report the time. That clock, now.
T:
8:28:52
